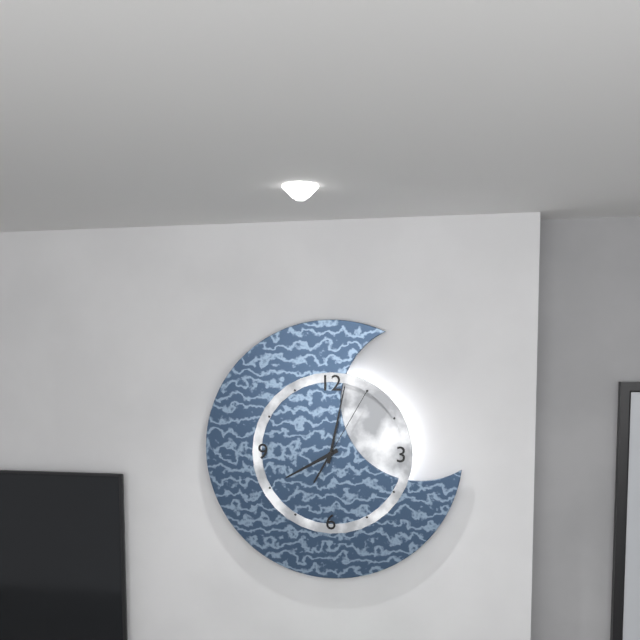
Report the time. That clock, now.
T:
8:02:05
